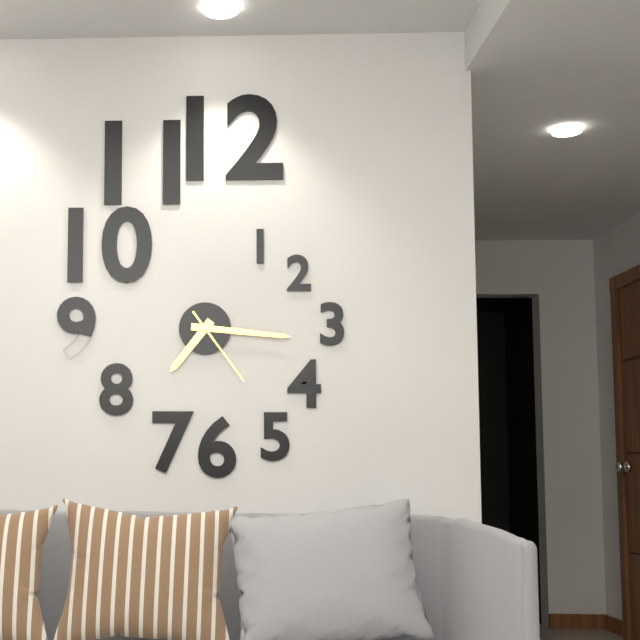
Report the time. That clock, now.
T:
7:16:24
